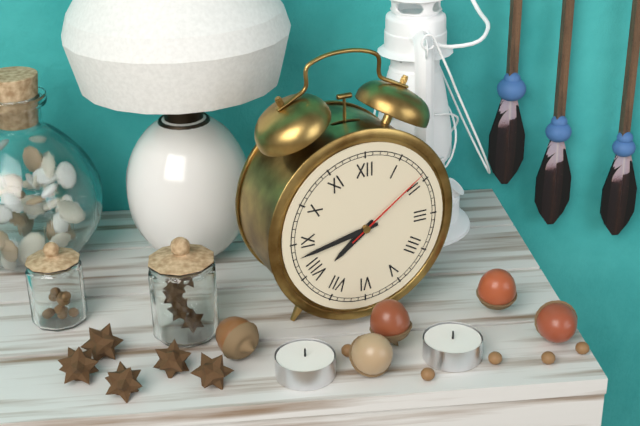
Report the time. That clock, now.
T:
7:43:09
